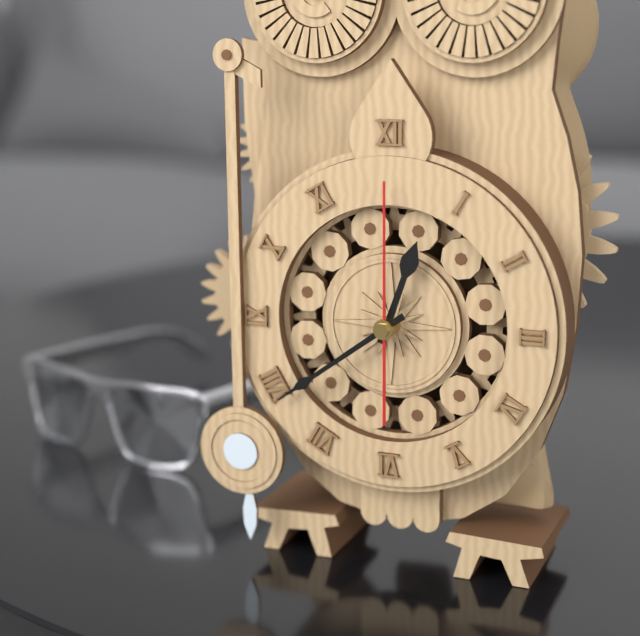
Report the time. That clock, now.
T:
12:39:00
